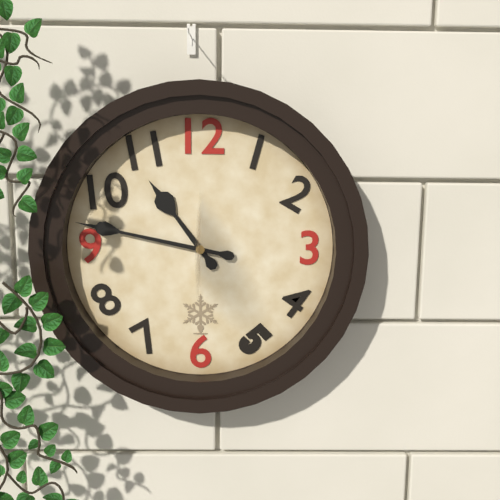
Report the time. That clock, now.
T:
10:47
